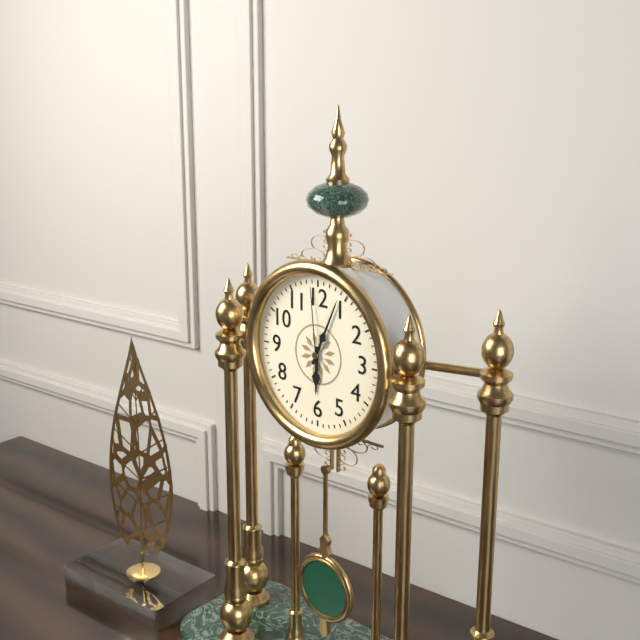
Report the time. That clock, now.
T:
6:04:59
